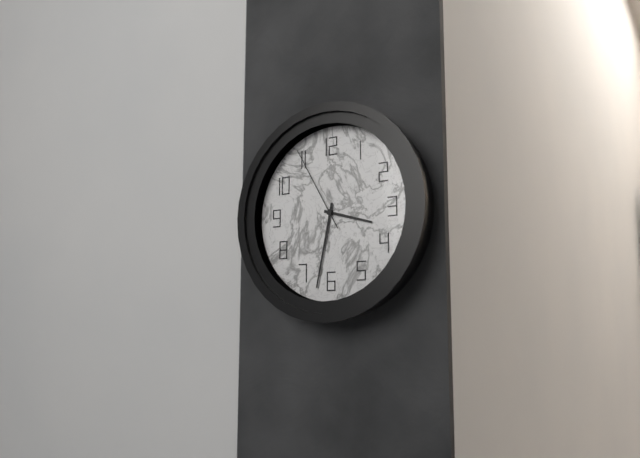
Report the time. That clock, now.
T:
3:32:55
